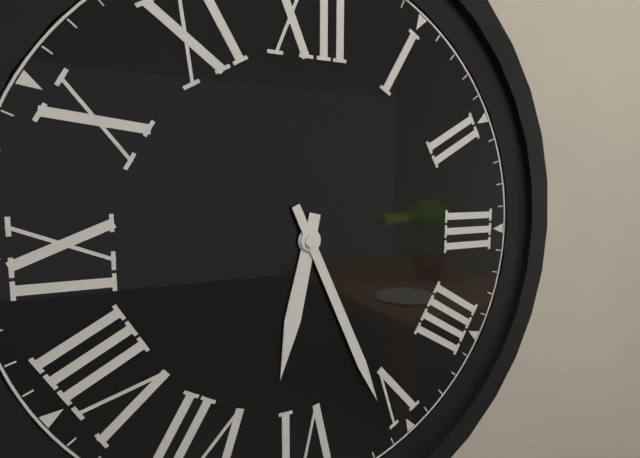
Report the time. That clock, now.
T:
6:26
